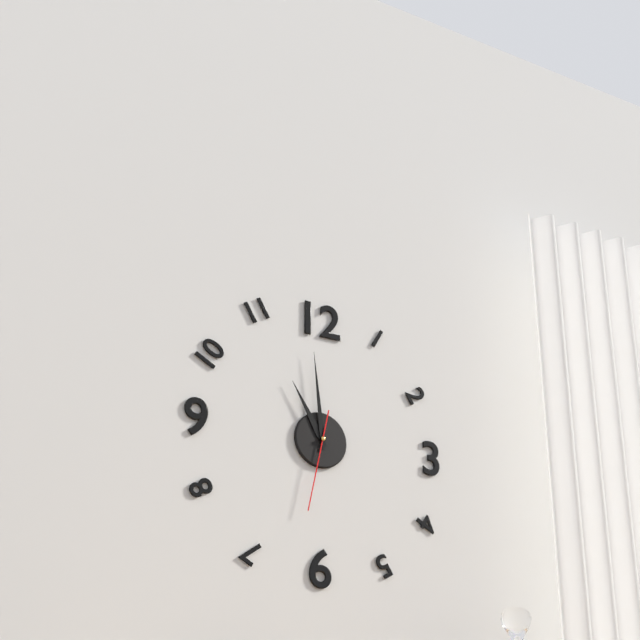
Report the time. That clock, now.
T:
10:59:32
